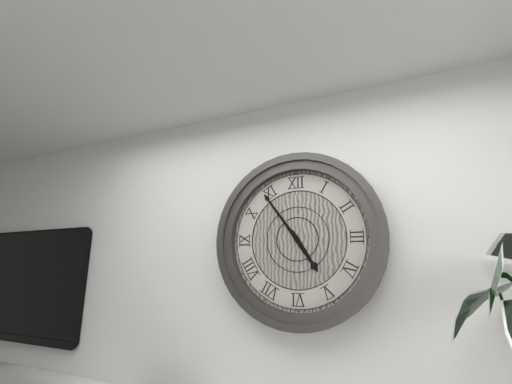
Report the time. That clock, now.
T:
4:54
